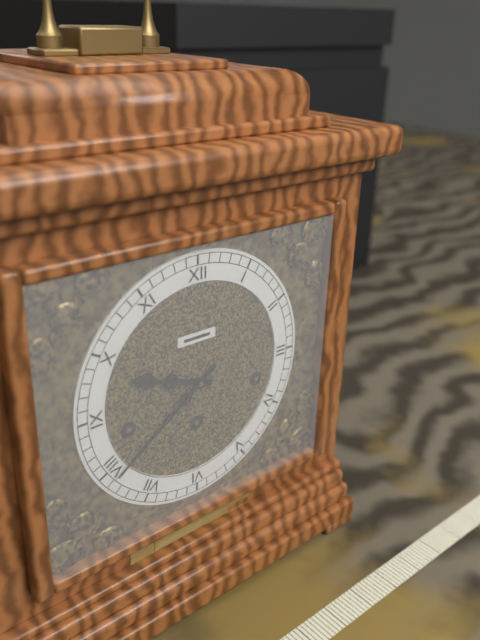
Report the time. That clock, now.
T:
9:39
